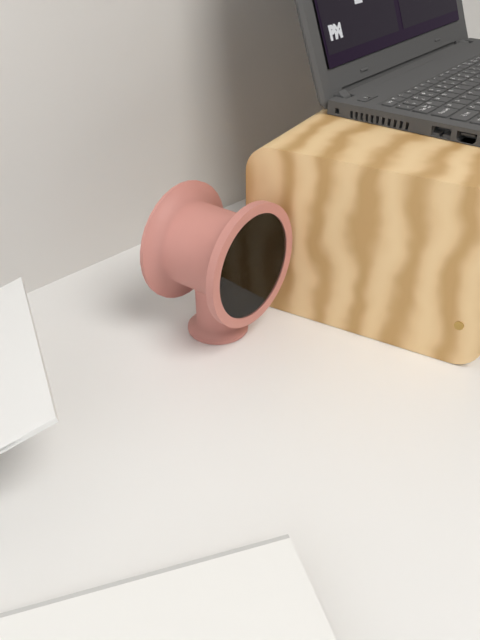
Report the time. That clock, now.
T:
12:00:03
